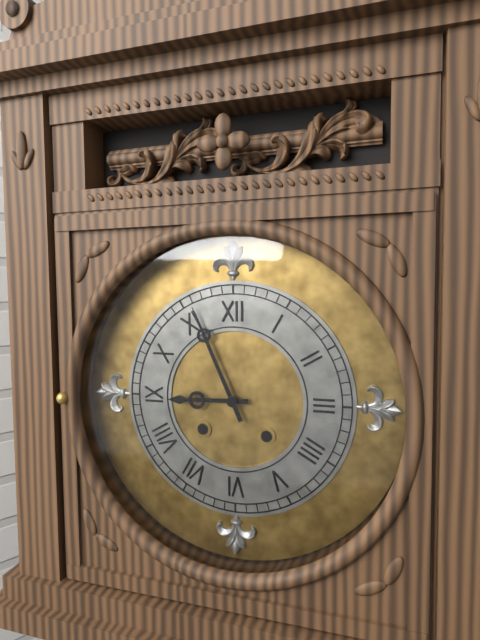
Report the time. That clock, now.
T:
8:56
